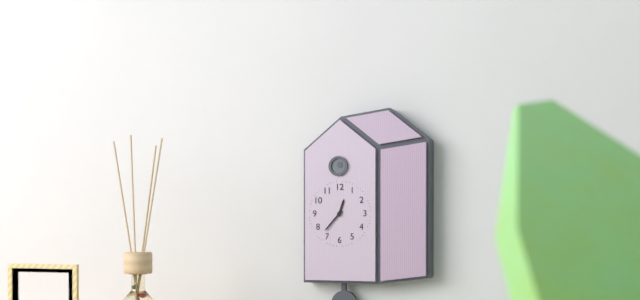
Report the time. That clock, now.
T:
12:37
